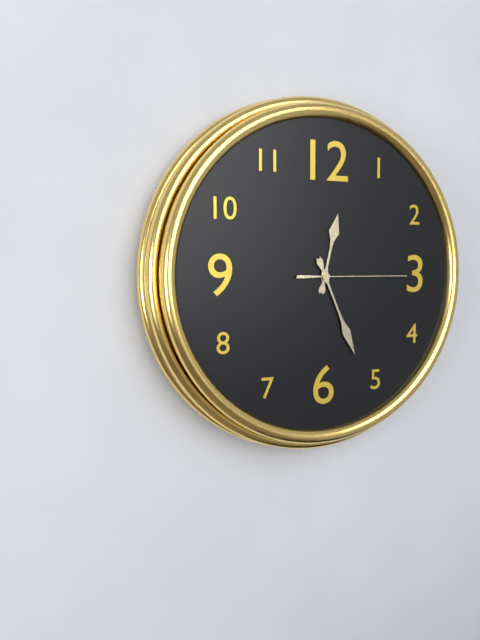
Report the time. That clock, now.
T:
12:26:15
